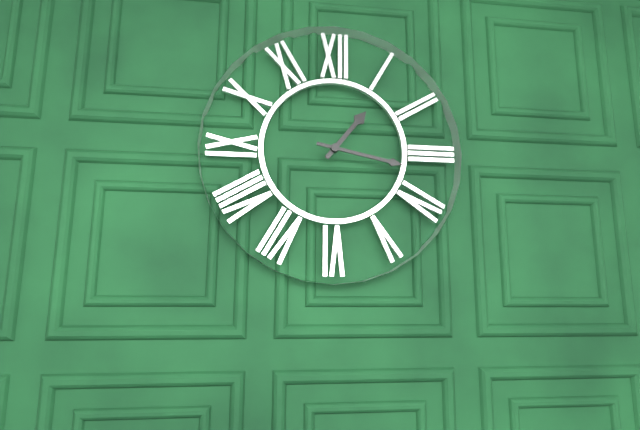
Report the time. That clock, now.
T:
1:17
